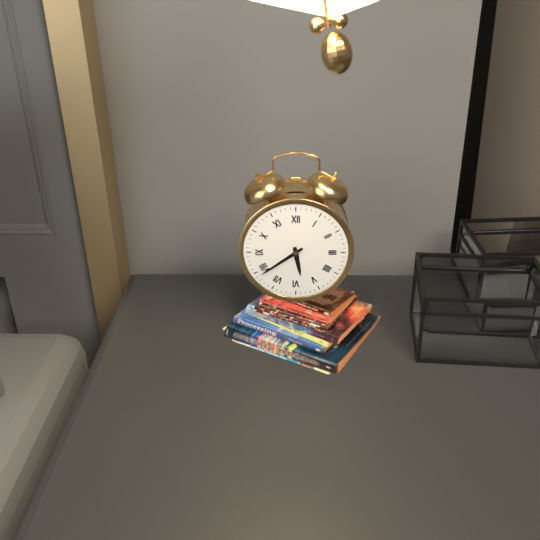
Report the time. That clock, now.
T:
5:39
